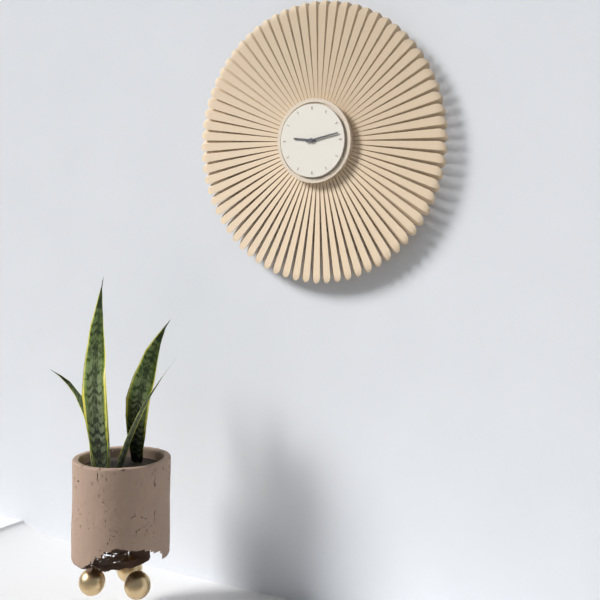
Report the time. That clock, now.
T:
9:13
